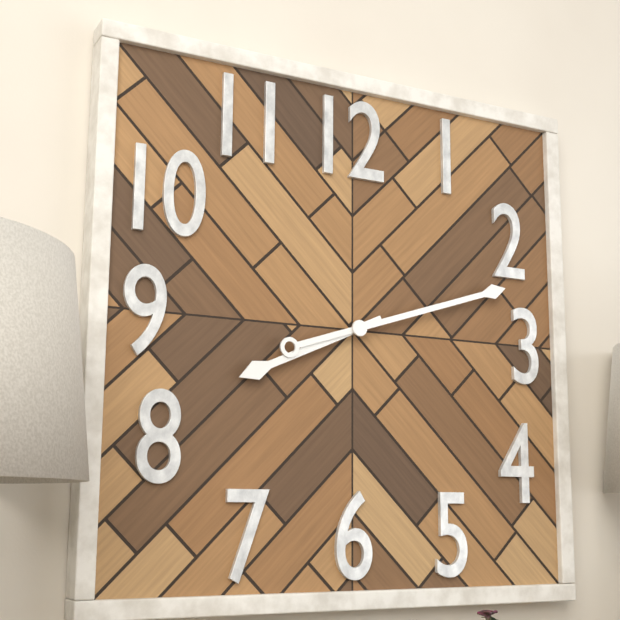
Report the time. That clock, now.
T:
8:12
